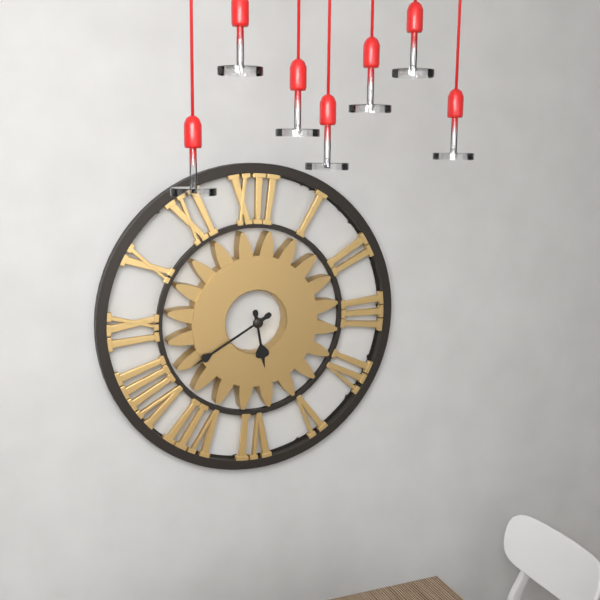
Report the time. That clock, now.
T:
5:40
